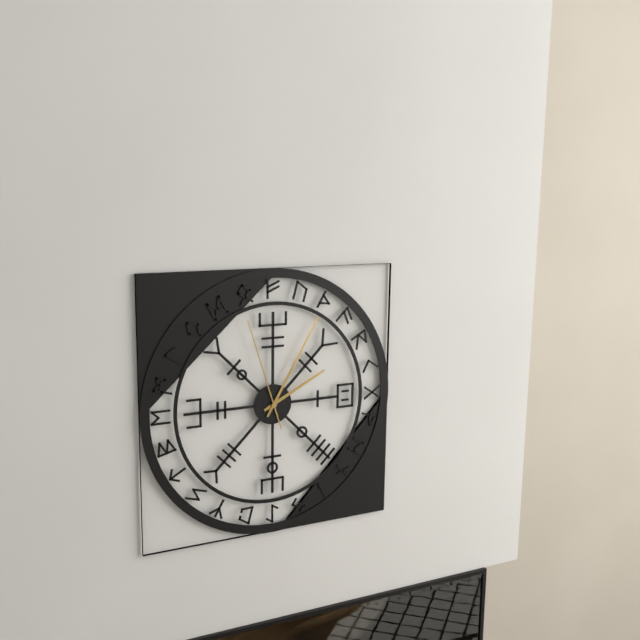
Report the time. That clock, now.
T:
2:05:57
